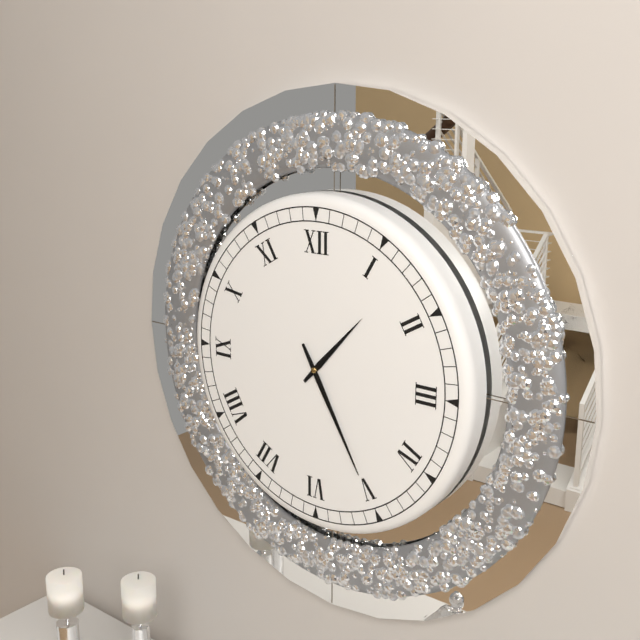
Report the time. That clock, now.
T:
1:25
